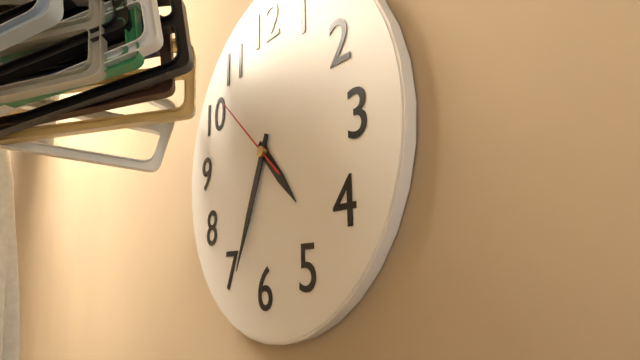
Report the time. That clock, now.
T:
4:34:52
